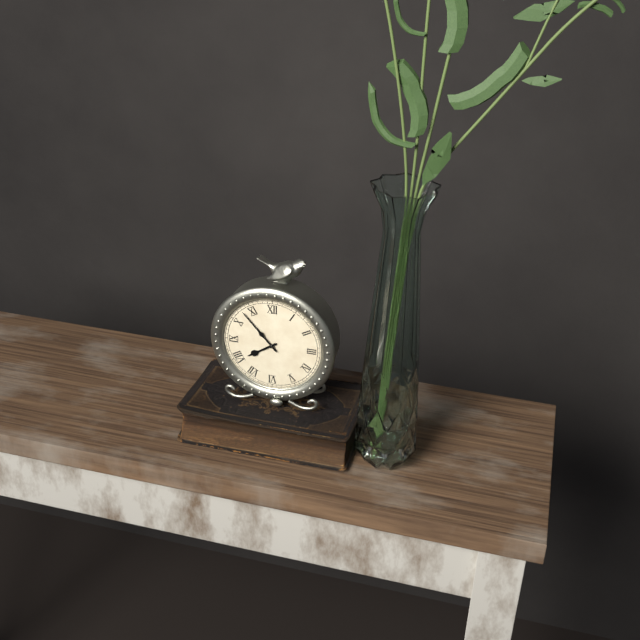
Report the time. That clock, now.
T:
7:53
